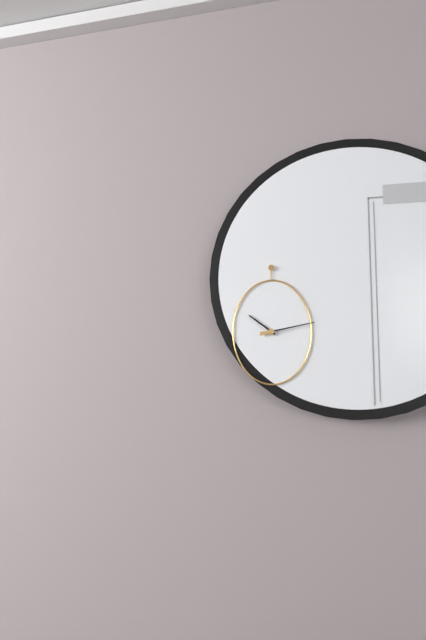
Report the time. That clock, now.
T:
10:13
